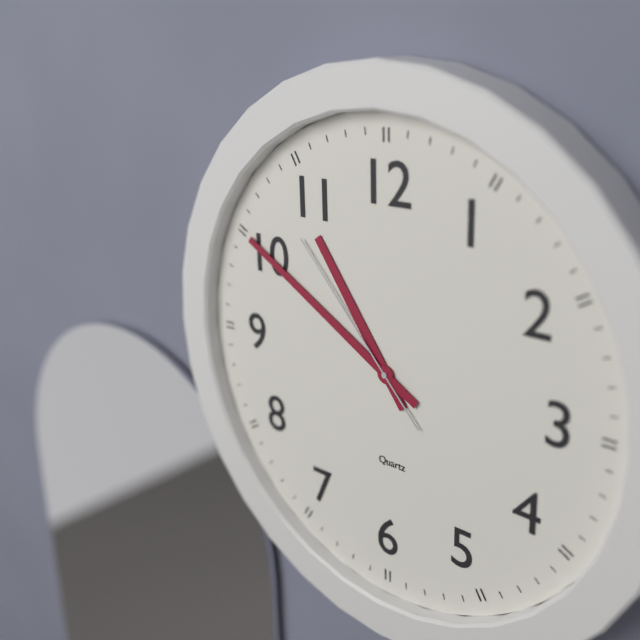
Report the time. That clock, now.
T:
10:50:53
